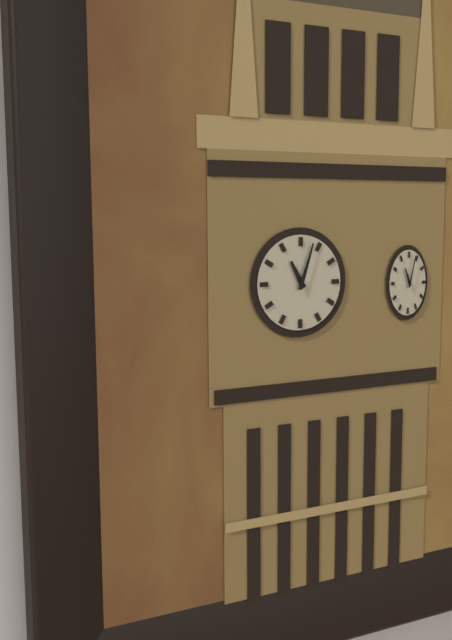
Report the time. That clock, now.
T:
11:03
